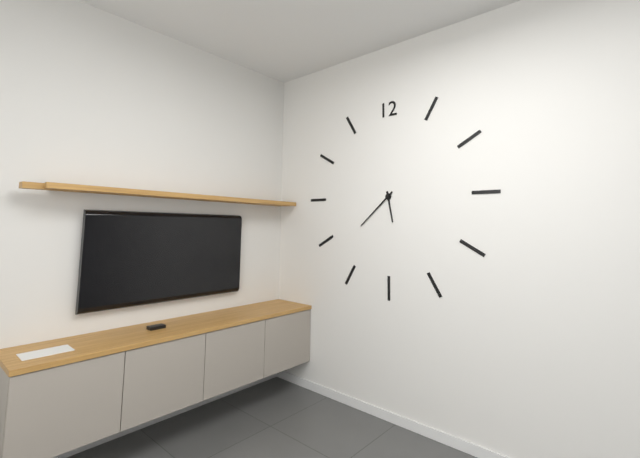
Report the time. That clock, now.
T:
5:38
